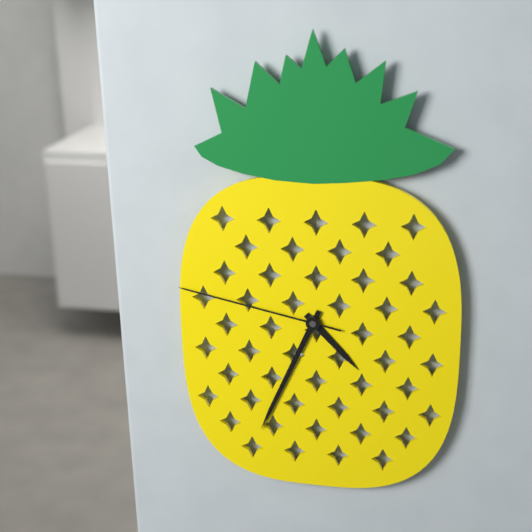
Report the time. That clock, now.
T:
4:34:47
